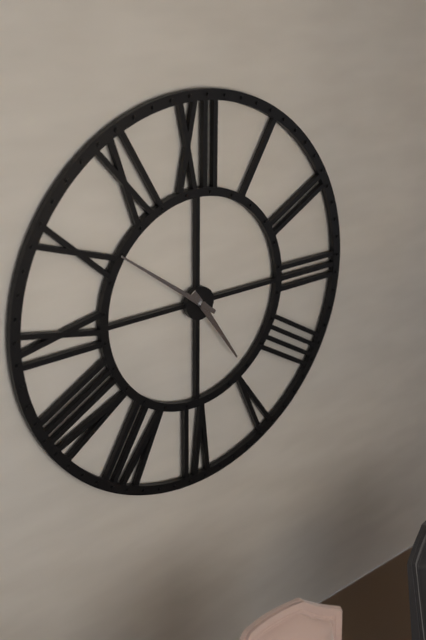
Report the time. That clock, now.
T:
4:51
